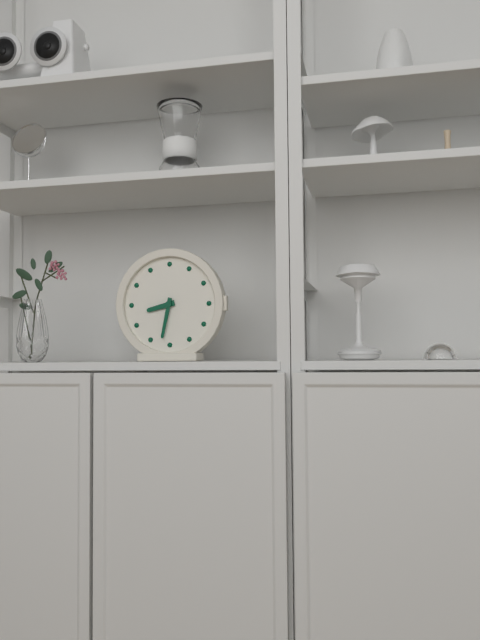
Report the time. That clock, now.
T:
8:32
